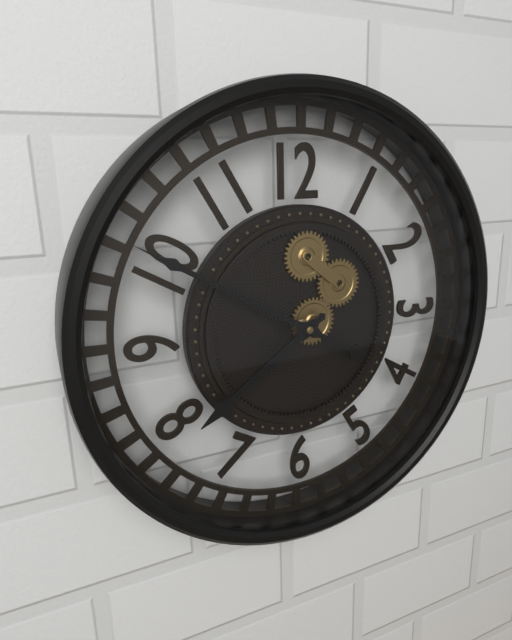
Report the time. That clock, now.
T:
7:50
